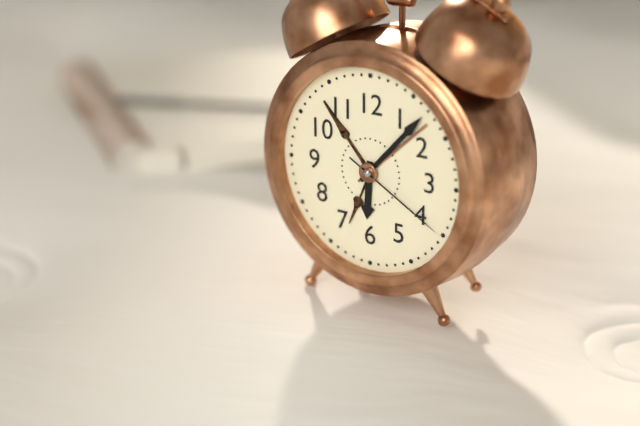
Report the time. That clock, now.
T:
6:07:20
